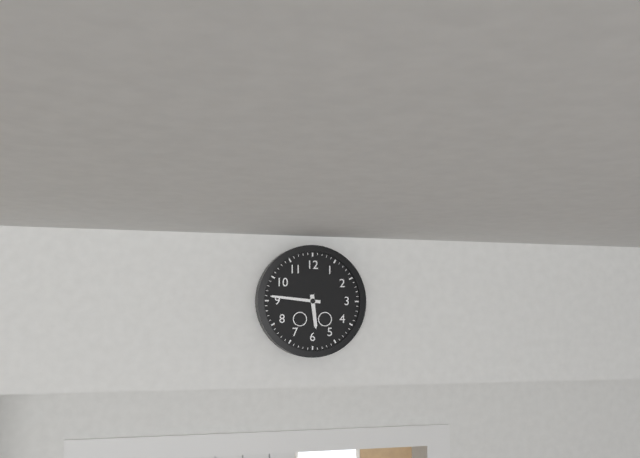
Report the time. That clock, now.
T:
5:46
